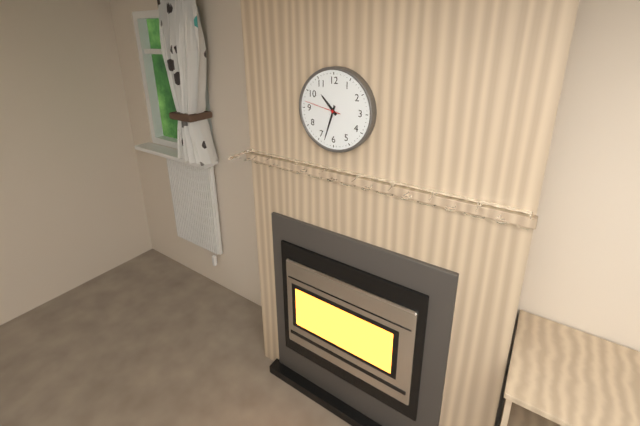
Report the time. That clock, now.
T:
10:33
